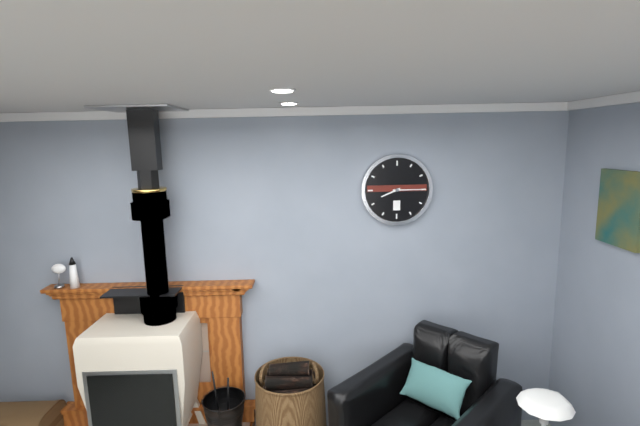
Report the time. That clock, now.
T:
8:15
